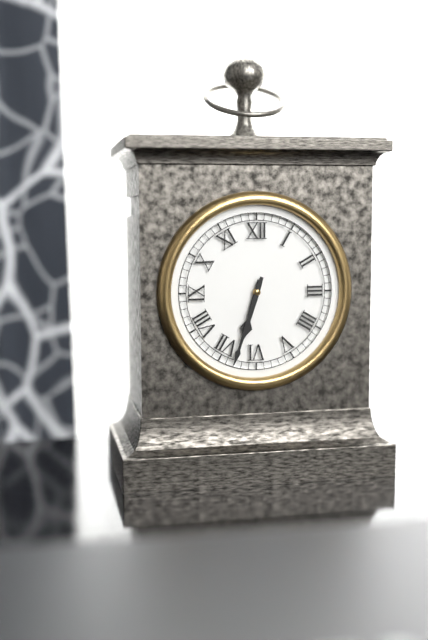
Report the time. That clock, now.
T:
6:33
